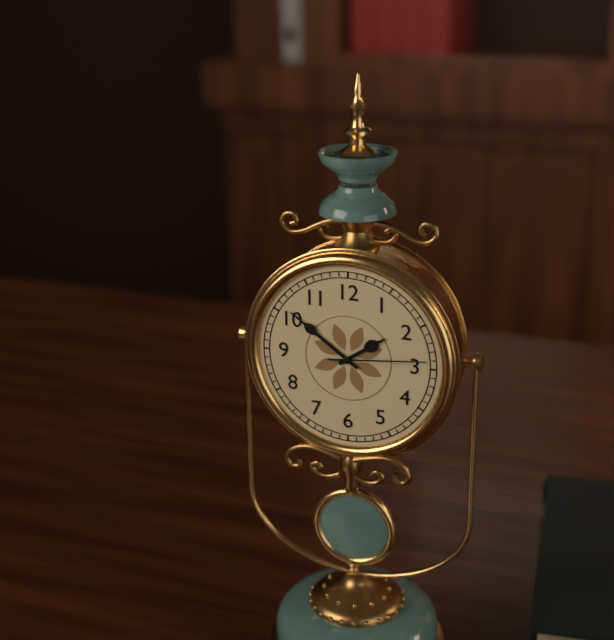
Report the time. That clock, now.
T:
1:51:14
